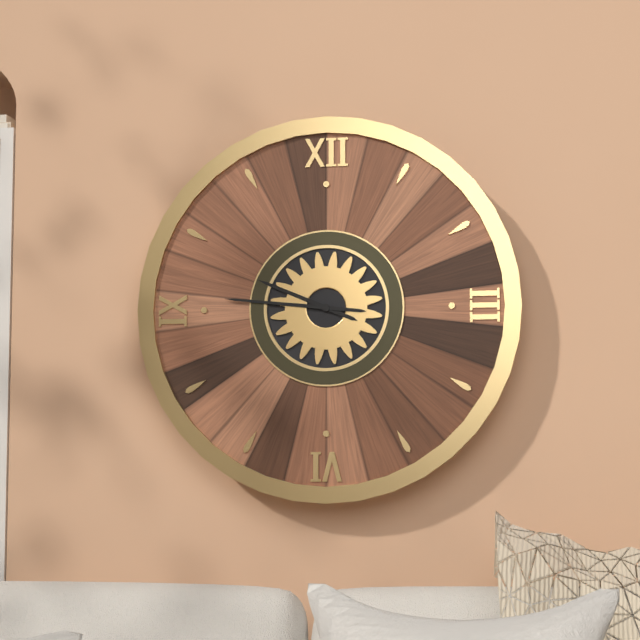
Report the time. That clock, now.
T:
9:46
